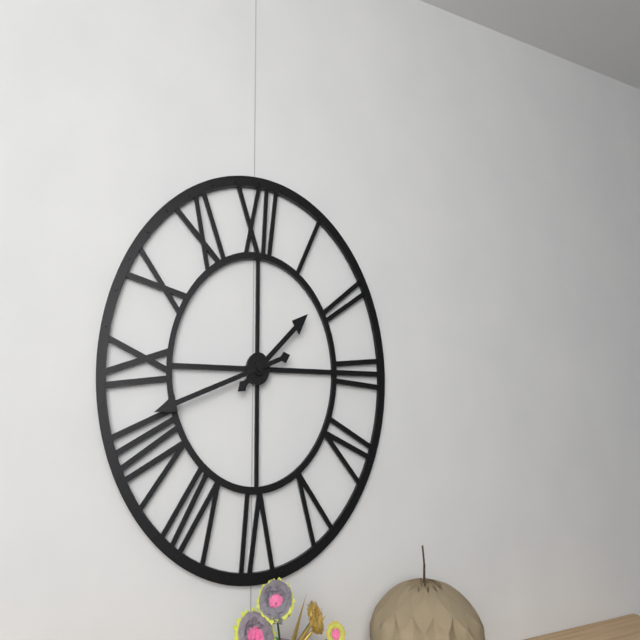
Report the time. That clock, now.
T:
1:42
